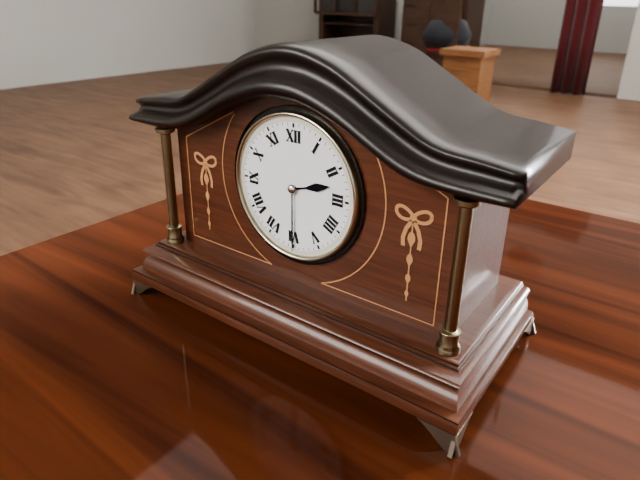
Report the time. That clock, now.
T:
2:30
